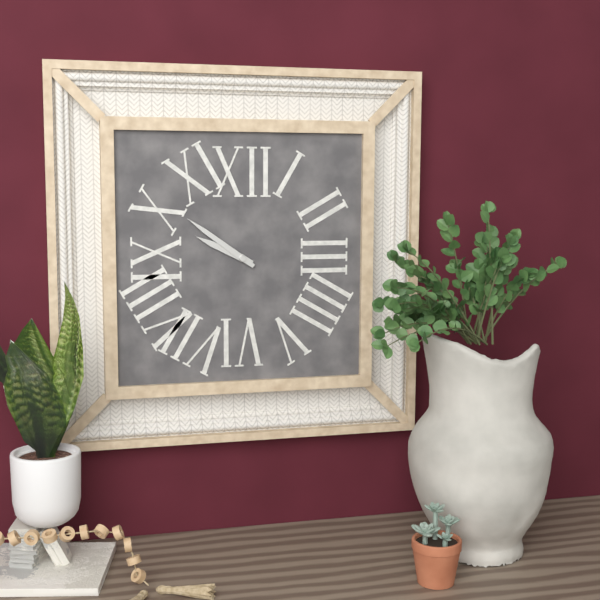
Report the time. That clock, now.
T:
9:51
